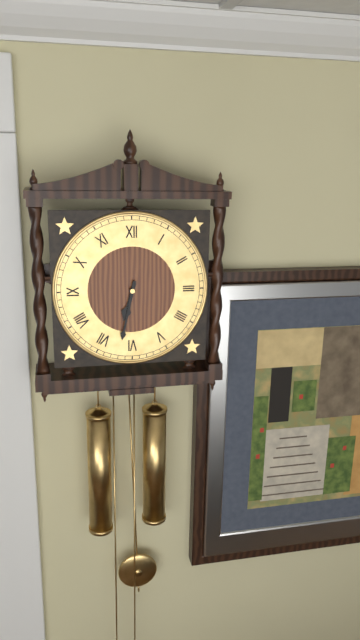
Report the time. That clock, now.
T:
6:32
